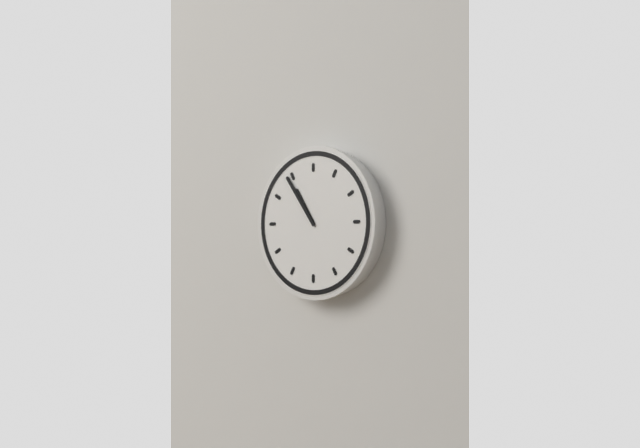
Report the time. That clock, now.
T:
10:54
